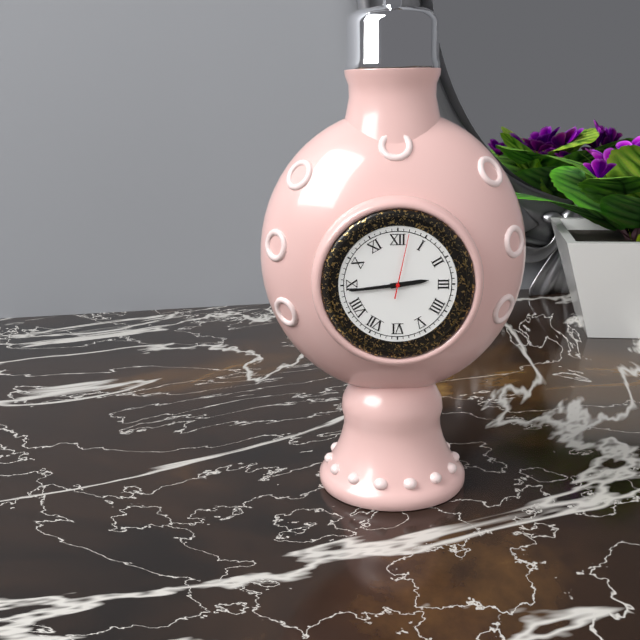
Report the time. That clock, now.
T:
2:44:02
